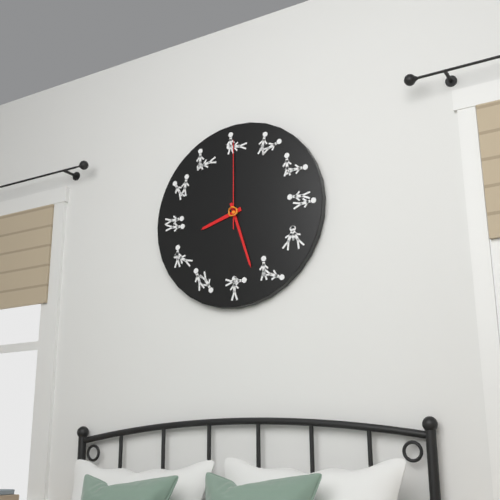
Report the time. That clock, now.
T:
8:27:00
